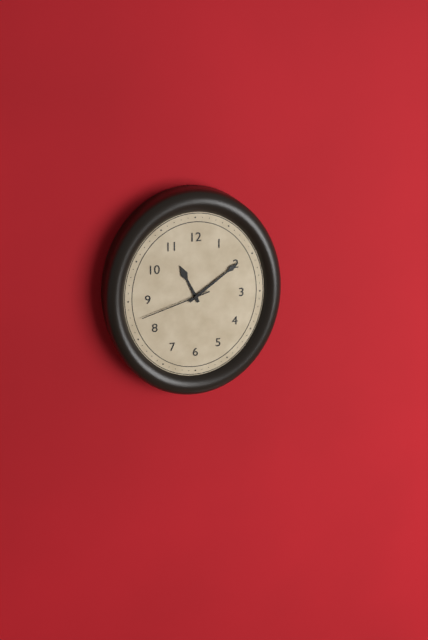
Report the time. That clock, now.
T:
11:09:42
